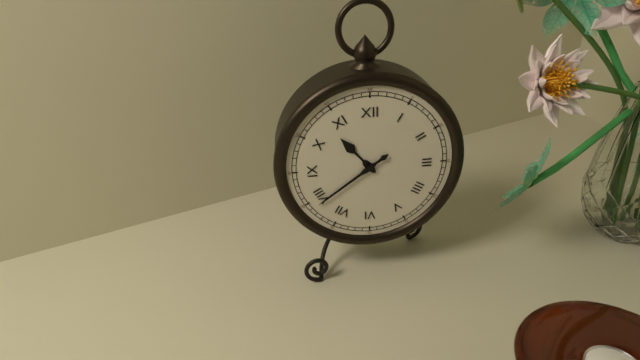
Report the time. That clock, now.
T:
10:39
